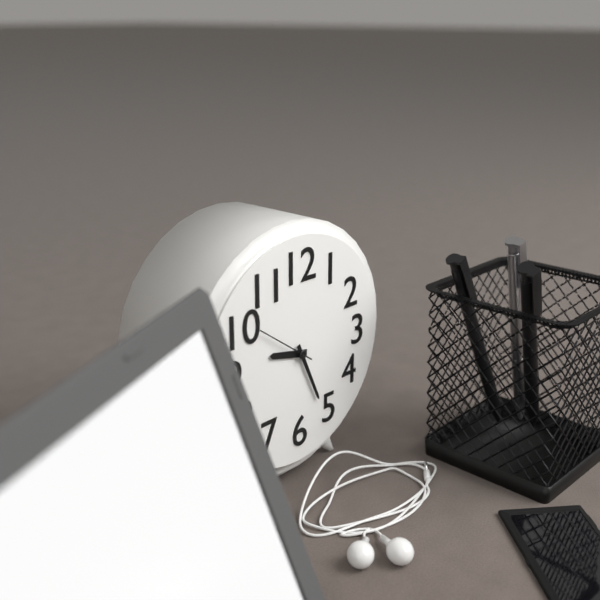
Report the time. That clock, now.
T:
9:26:51
